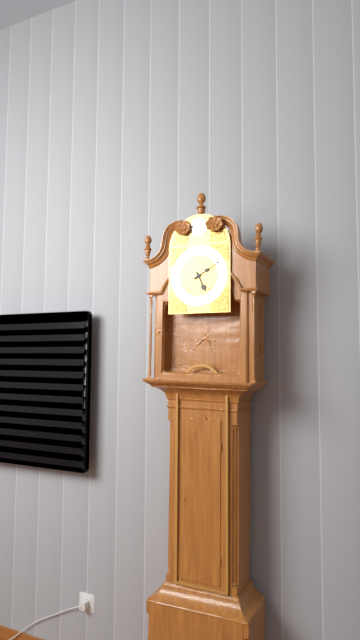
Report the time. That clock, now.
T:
5:10
